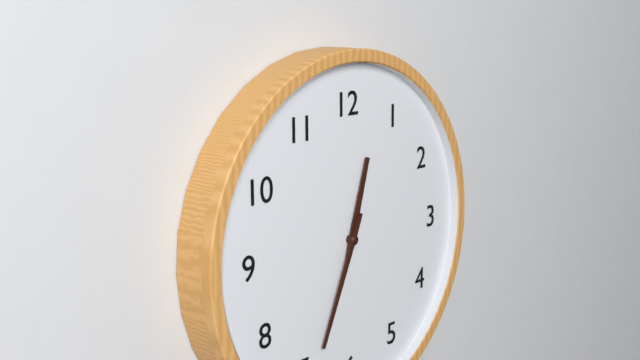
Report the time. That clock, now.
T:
12:34
